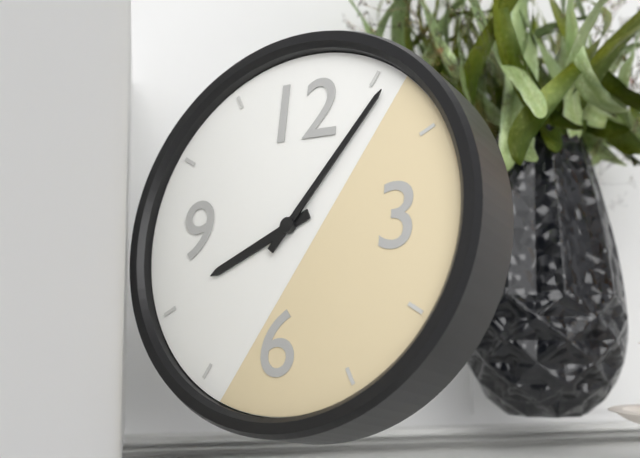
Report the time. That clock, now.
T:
8:06
